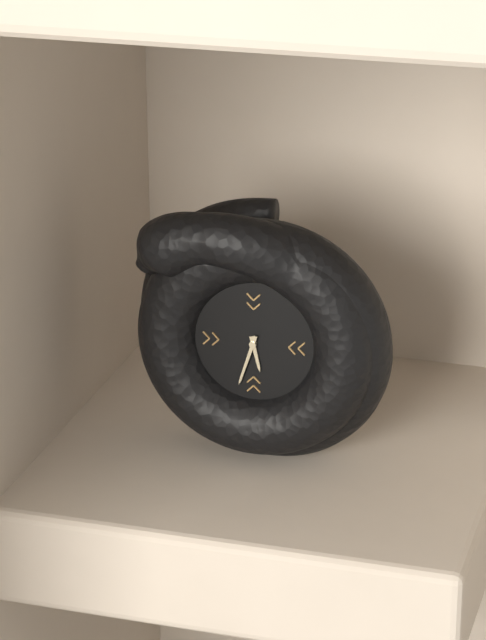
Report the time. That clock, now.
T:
5:33
